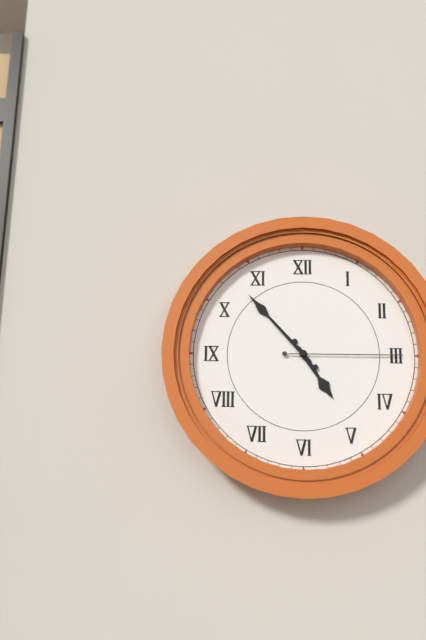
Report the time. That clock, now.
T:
4:53:15
